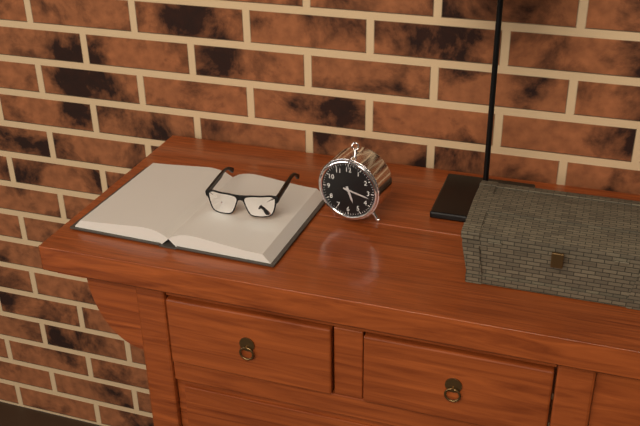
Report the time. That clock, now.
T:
5:17
